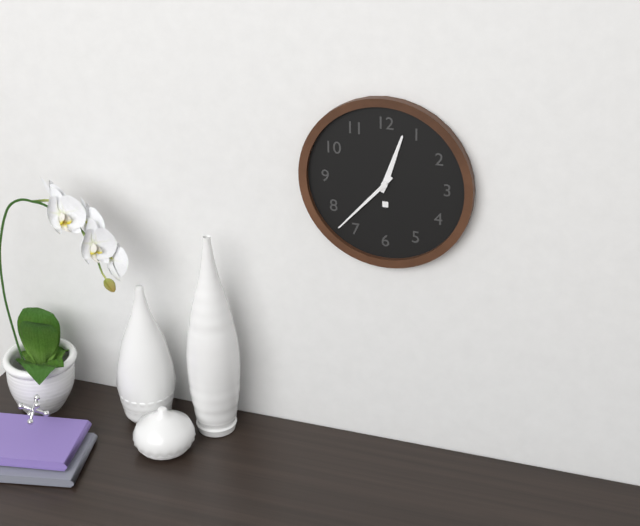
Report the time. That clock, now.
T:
12:37
